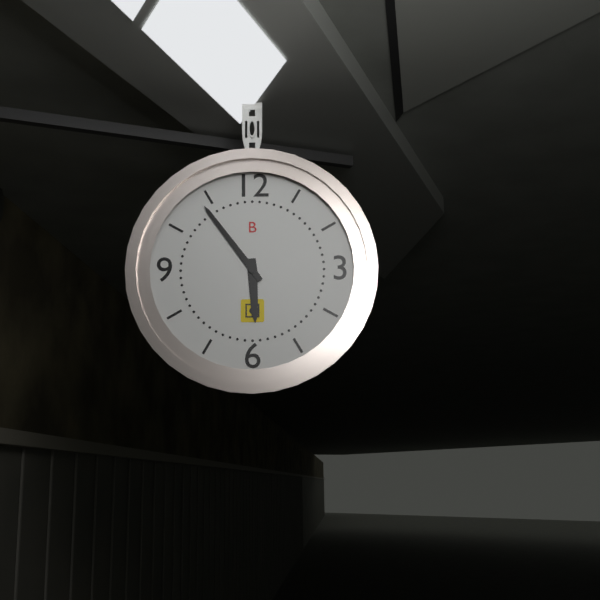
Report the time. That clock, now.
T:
5:54
